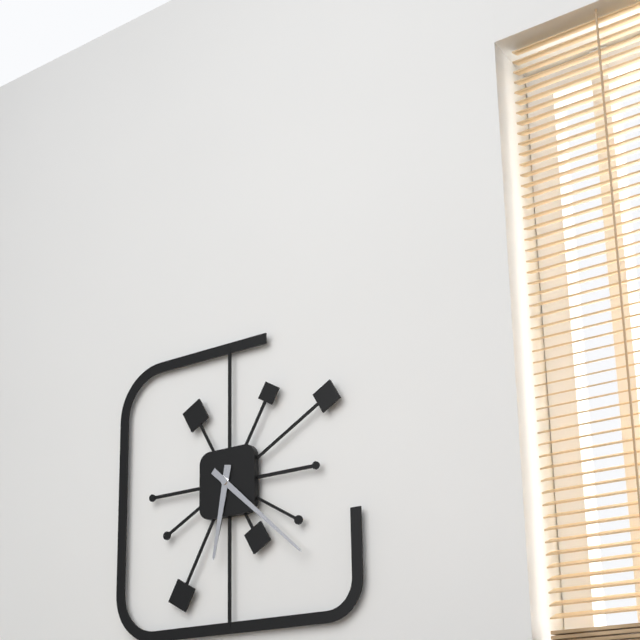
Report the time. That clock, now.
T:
6:22
